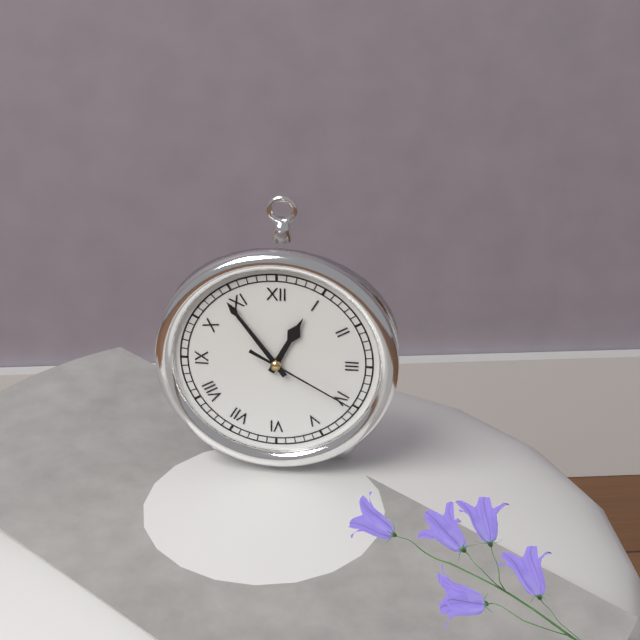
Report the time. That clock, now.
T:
12:54:20
